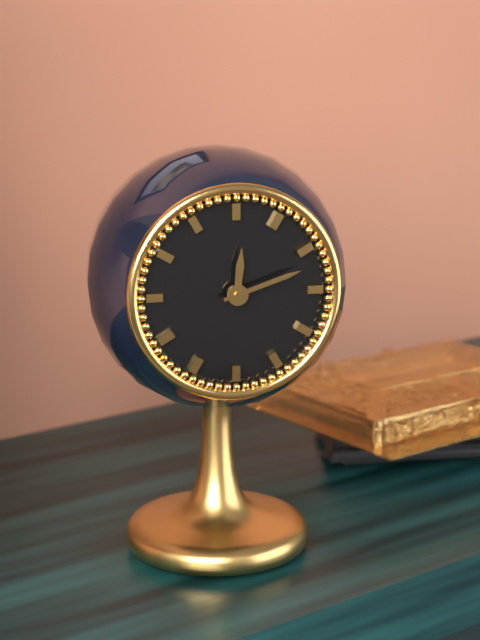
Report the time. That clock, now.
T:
12:12
